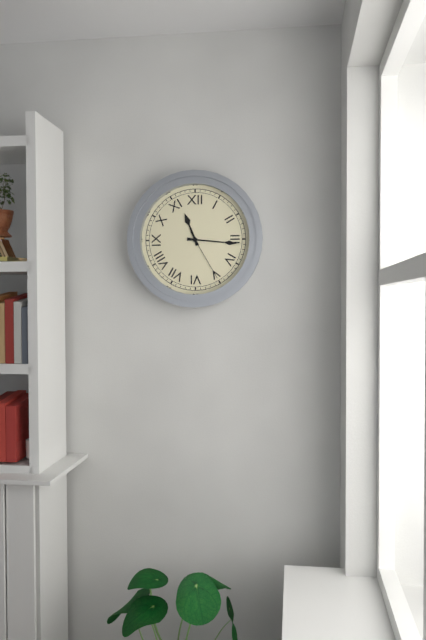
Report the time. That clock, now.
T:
11:16:25
